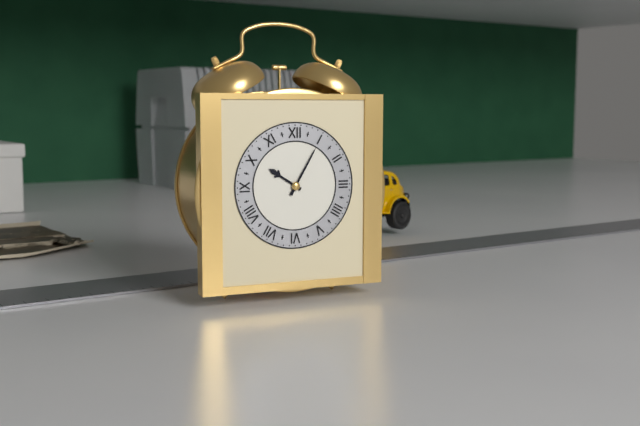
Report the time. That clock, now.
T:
10:05
